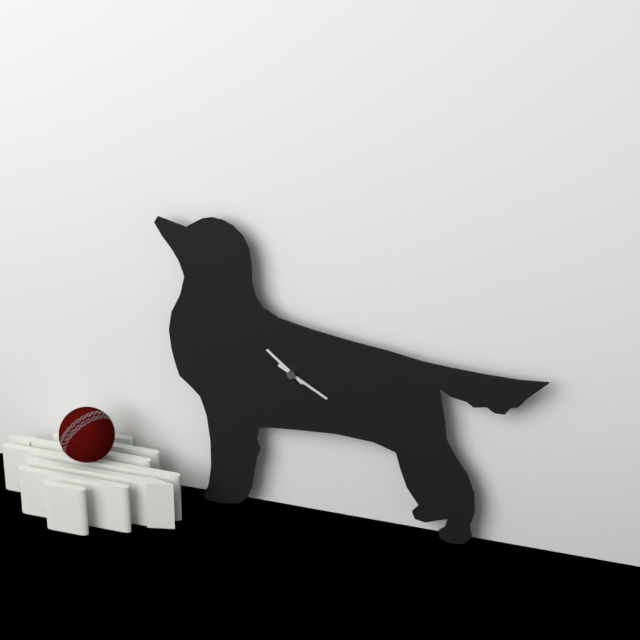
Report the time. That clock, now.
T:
10:20
